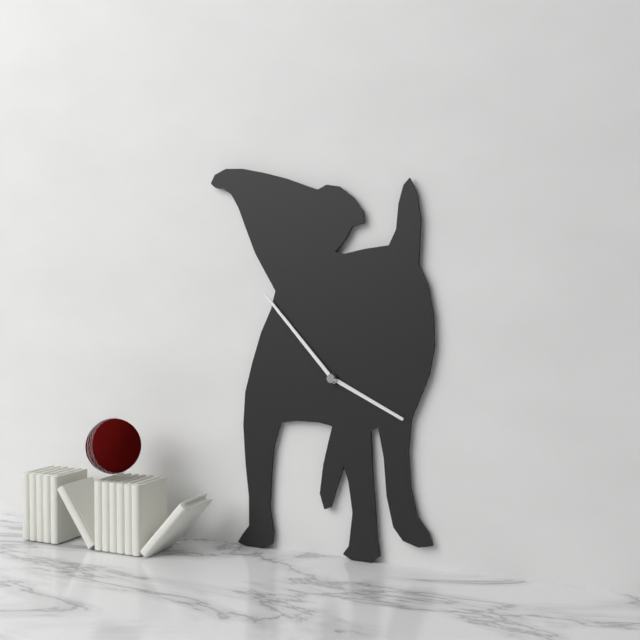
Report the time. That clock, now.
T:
3:53
